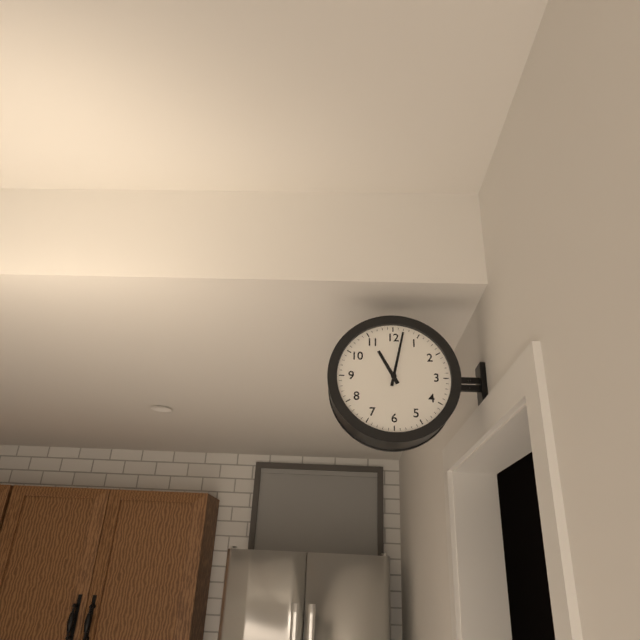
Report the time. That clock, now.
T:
11:02
